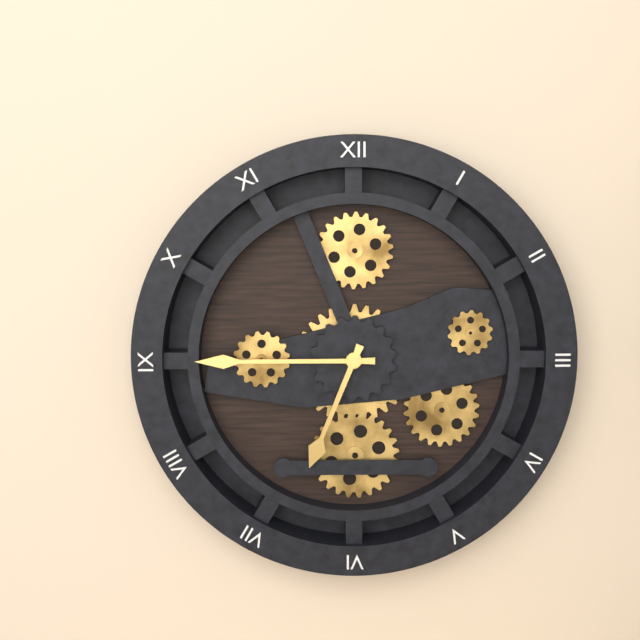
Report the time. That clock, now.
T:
6:45
